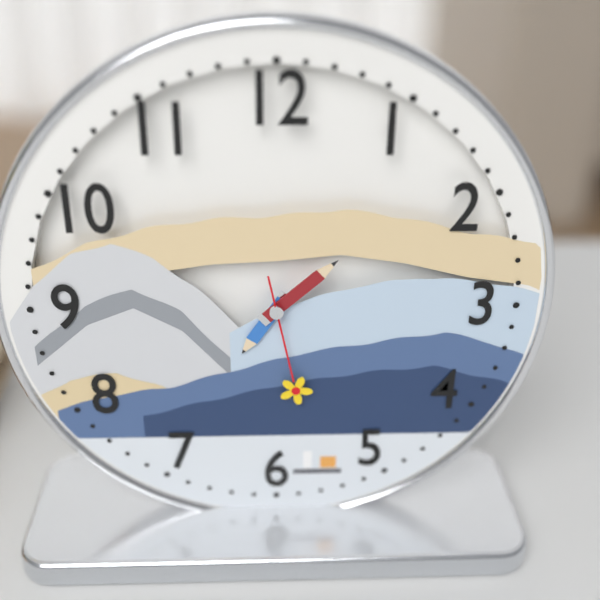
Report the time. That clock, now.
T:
7:08:28
